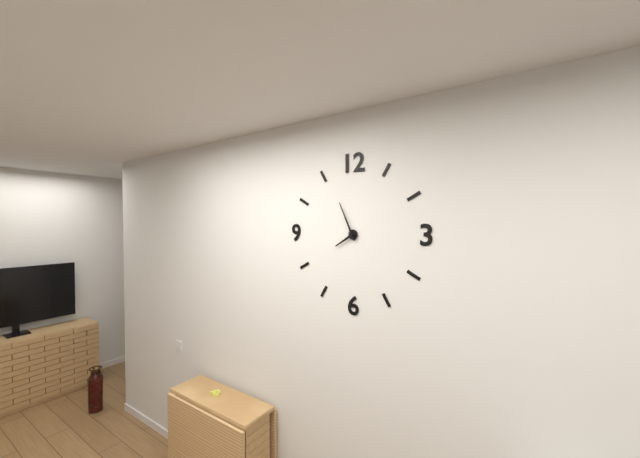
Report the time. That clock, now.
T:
7:56
